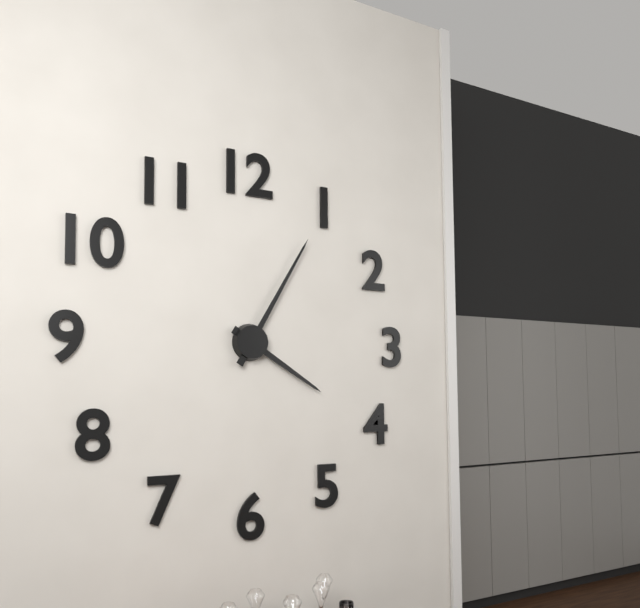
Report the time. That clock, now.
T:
4:05
